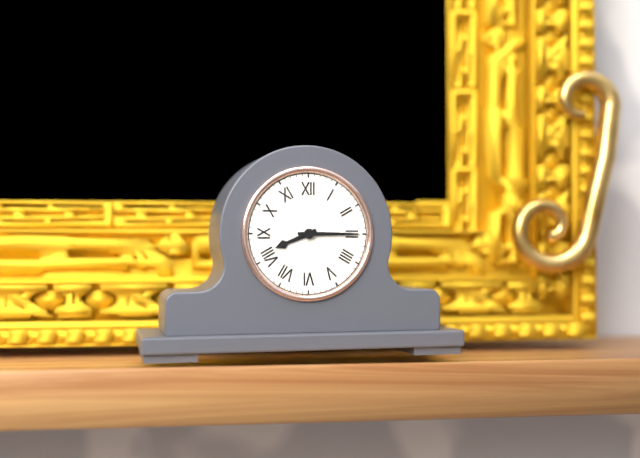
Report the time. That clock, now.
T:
8:15
